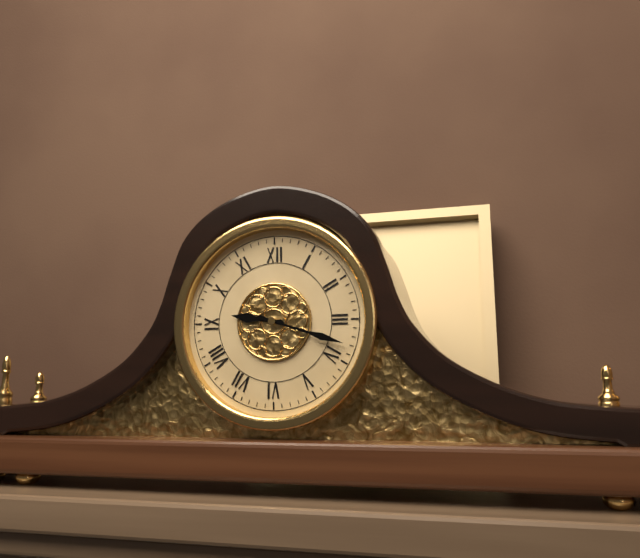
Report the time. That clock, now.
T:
9:18
